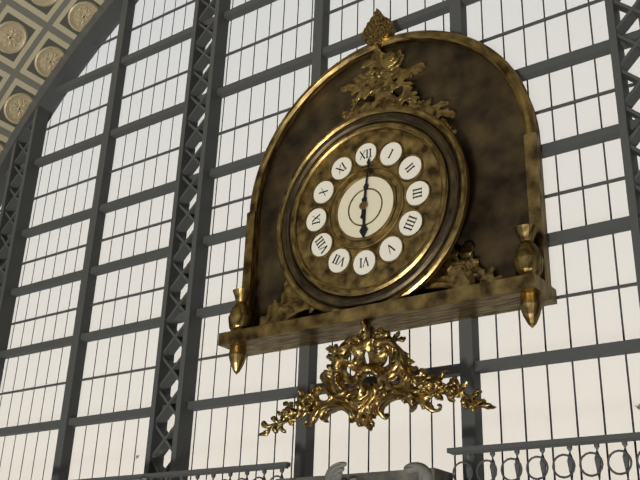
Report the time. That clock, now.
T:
6:01
